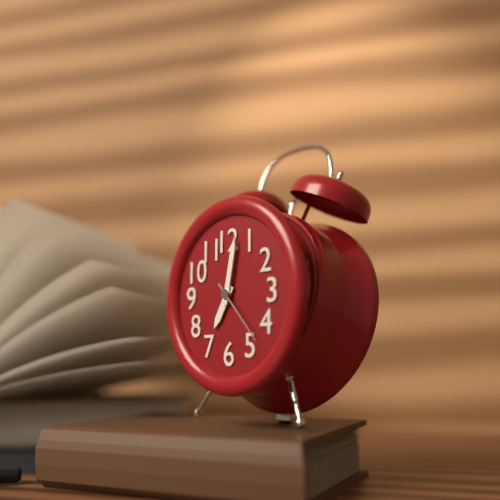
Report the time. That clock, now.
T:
7:02:23
